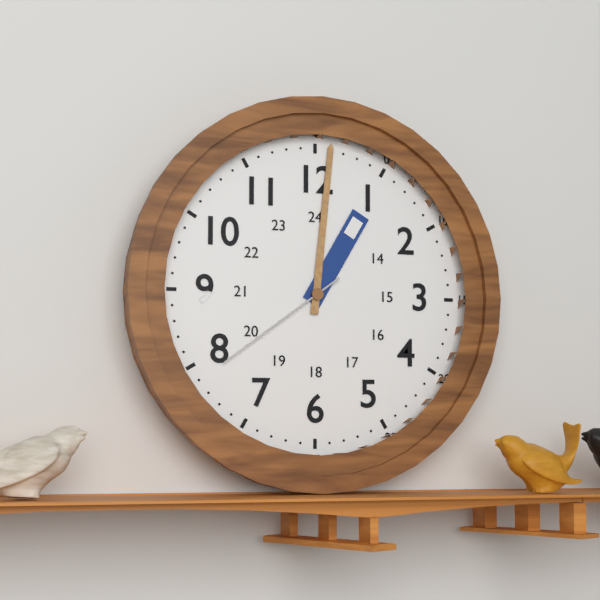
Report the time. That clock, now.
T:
1:01:39
